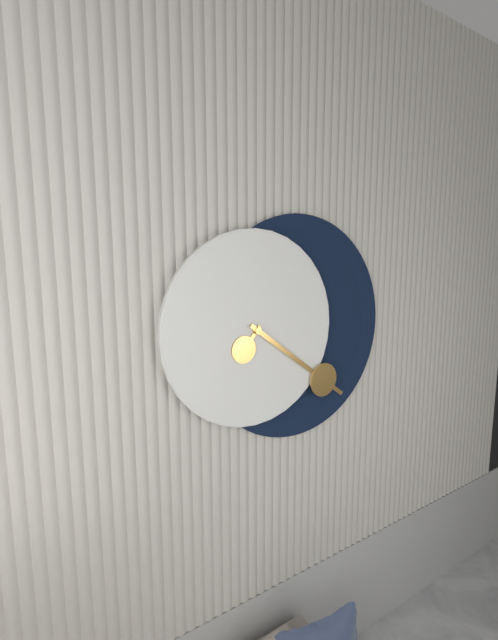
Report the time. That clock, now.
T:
7:21
